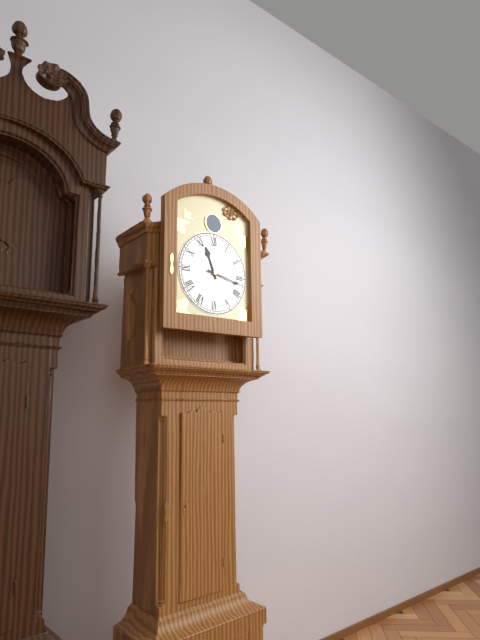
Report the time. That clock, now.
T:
11:17
